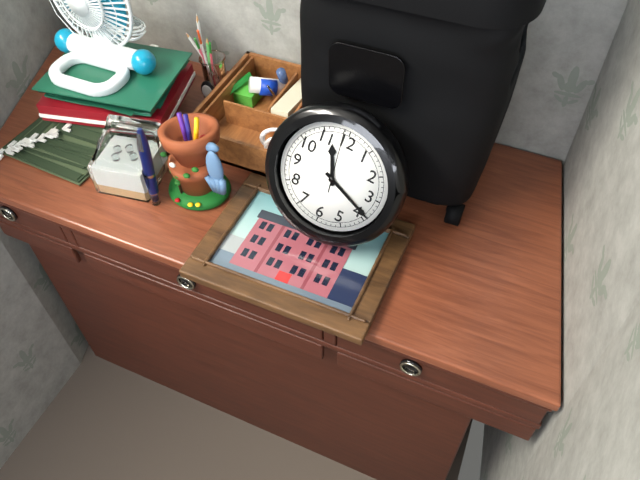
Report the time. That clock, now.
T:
11:19:59
